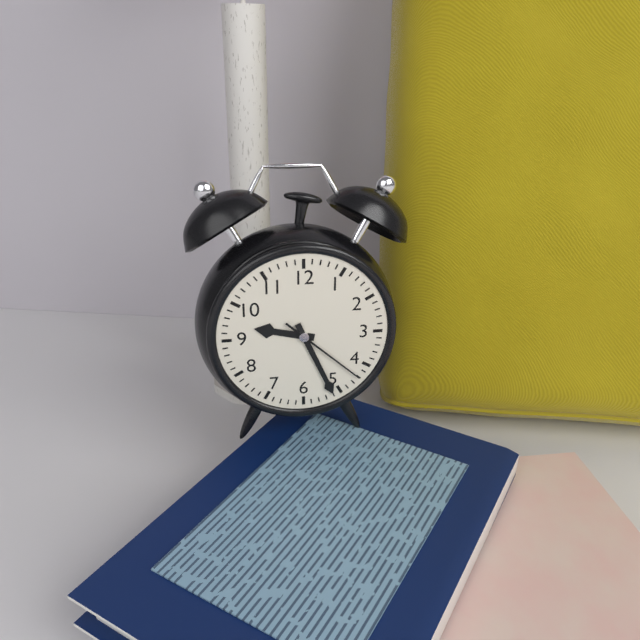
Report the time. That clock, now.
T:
9:26:22
